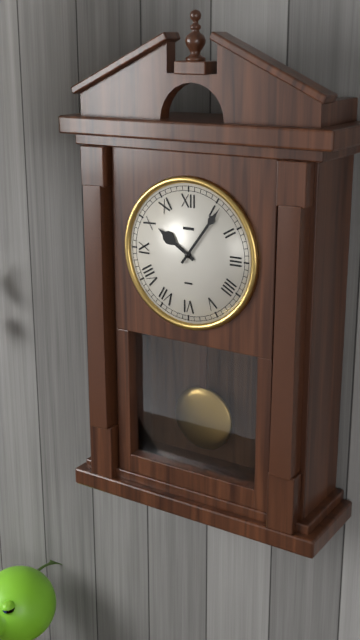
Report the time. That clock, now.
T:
10:06
